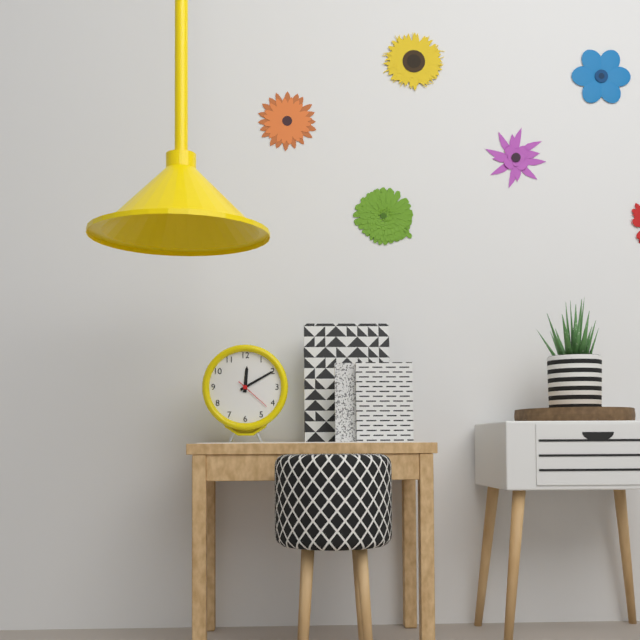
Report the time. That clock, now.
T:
12:10
